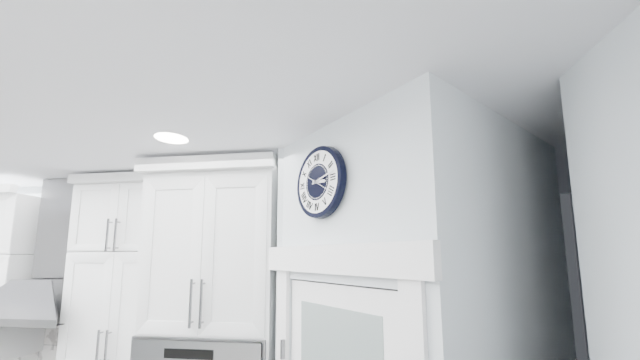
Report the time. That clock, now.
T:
3:13
